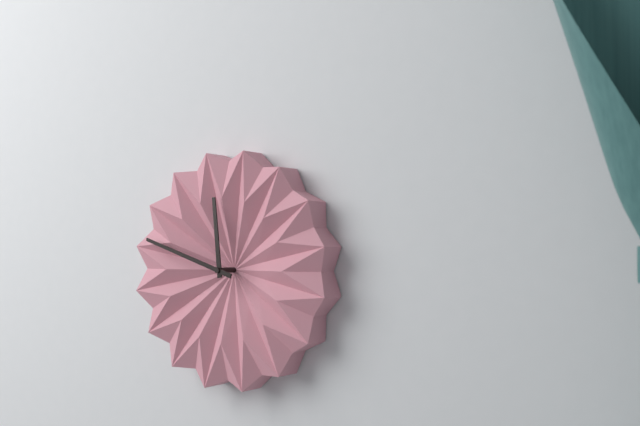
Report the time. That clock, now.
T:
11:48
